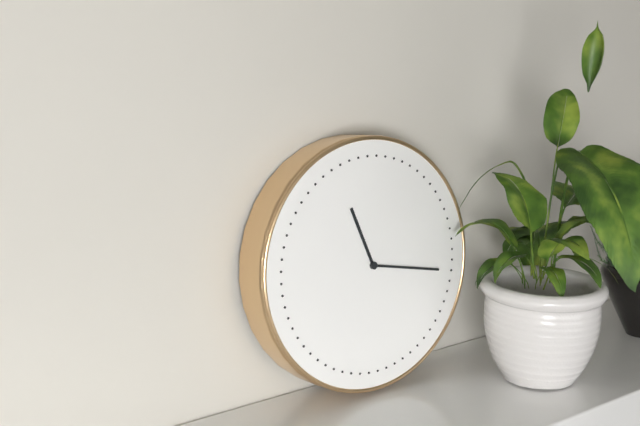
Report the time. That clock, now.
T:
11:17
